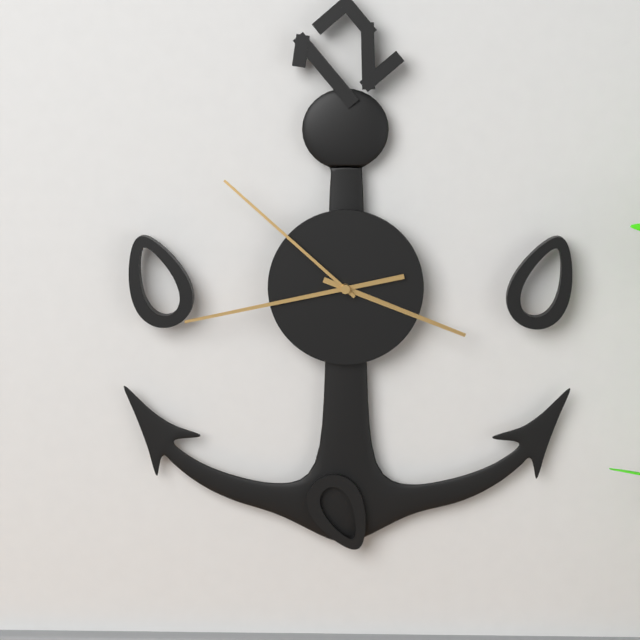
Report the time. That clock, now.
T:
3:43:52
